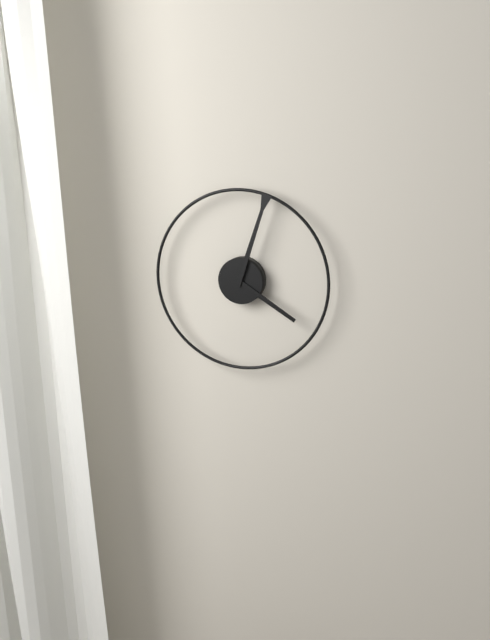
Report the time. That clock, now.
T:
4:03
